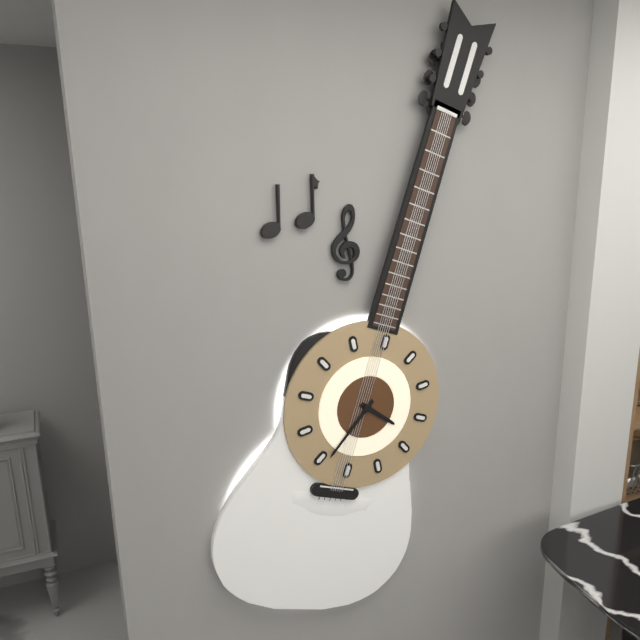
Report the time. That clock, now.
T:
3:34
